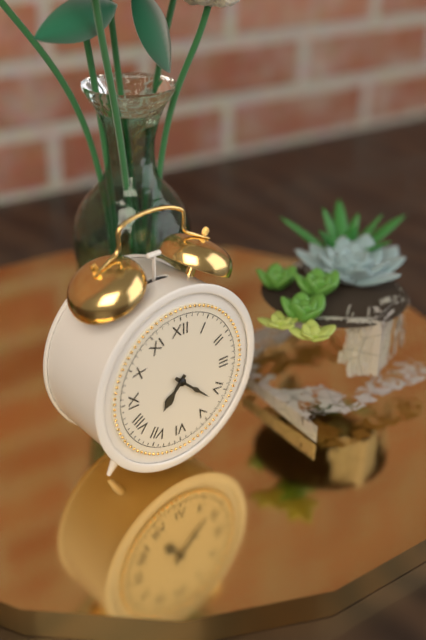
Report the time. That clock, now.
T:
7:22
